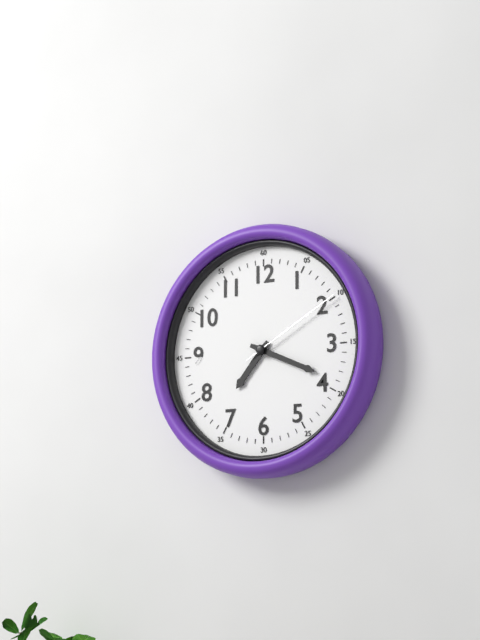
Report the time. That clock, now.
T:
7:19:10
